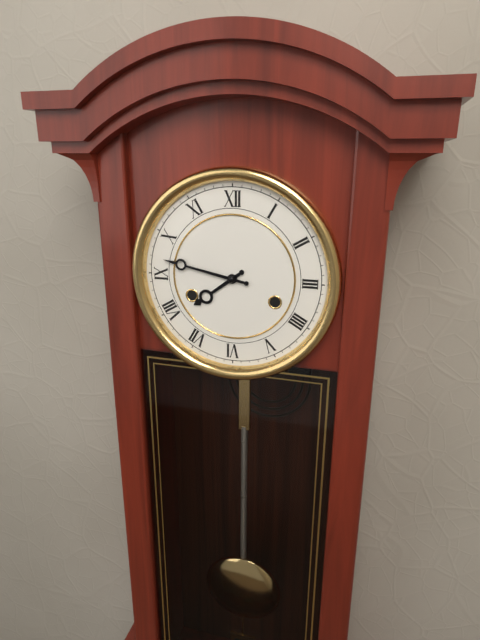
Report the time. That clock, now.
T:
7:47
